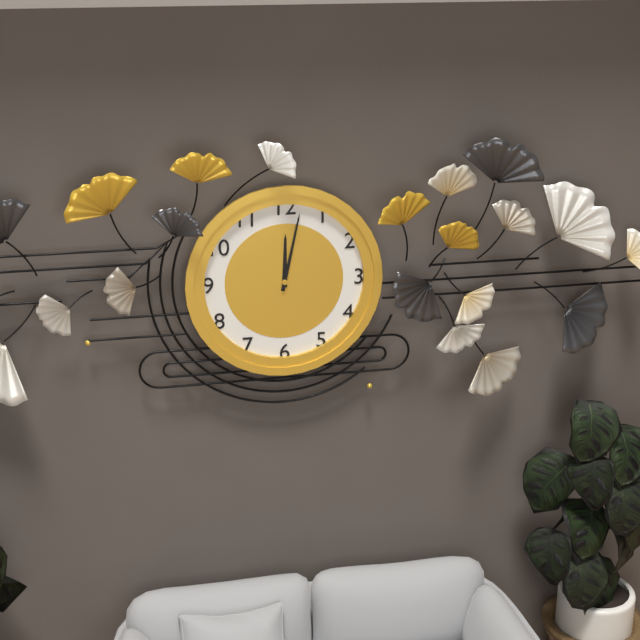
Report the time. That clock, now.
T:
12:02
